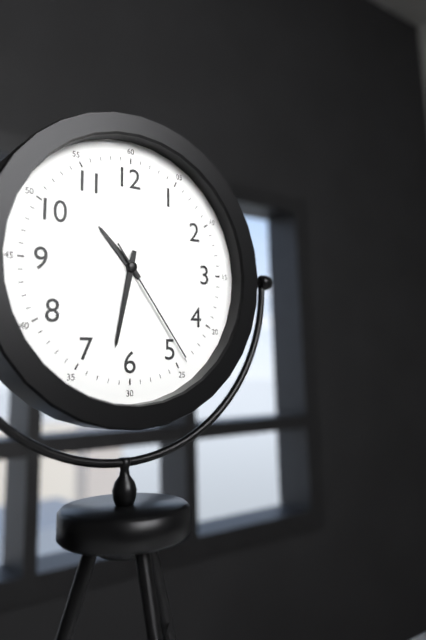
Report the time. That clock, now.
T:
10:32:24
